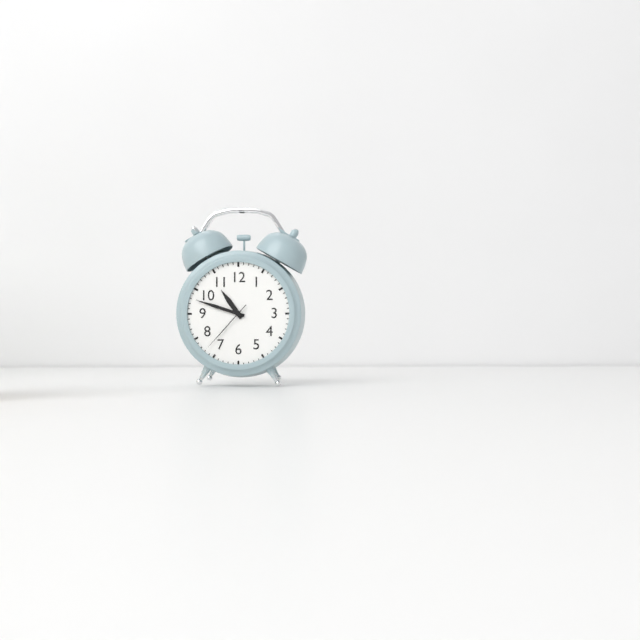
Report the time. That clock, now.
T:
10:48:37
